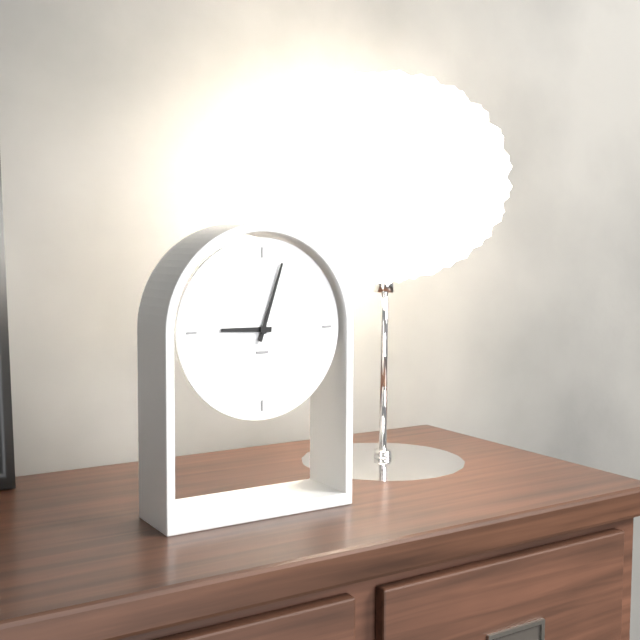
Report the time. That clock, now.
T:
9:03
